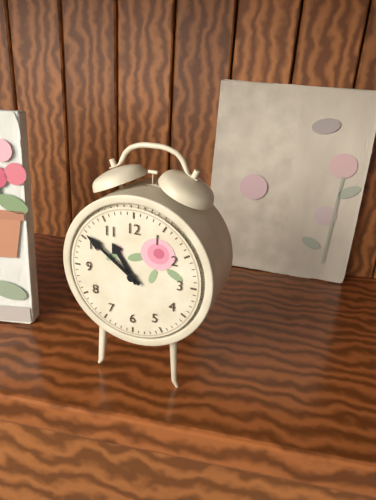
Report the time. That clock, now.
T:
10:51
